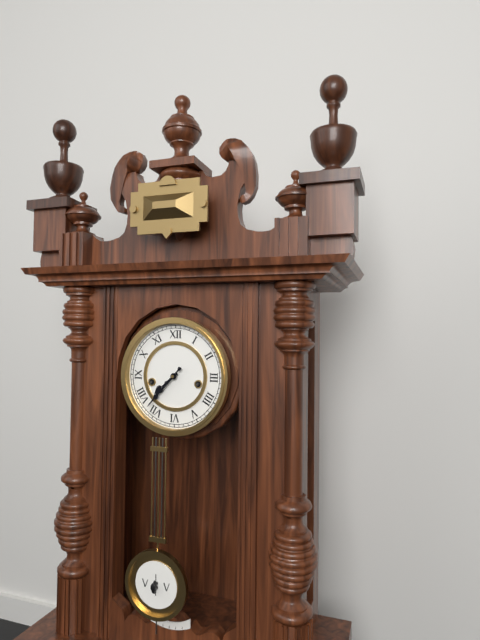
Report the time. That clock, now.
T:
7:37
